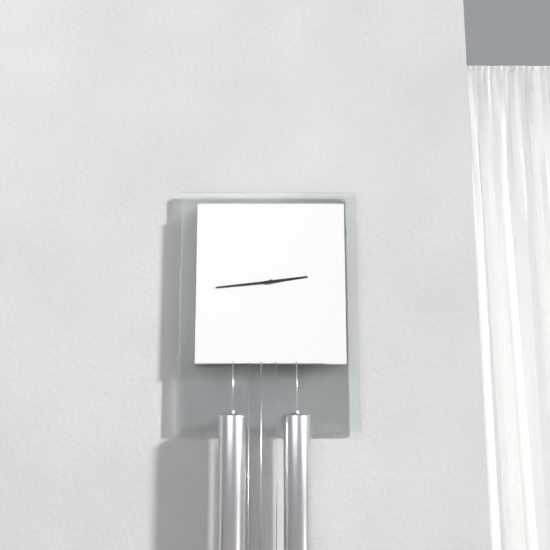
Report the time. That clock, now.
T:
2:44
